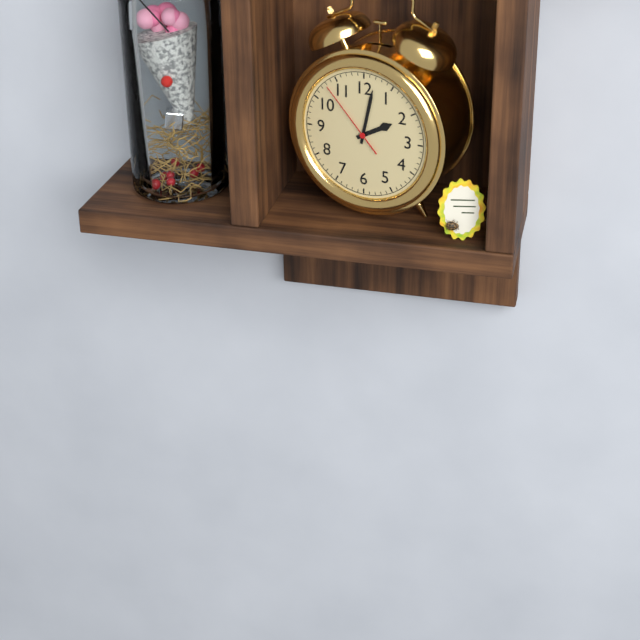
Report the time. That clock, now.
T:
2:02:53
